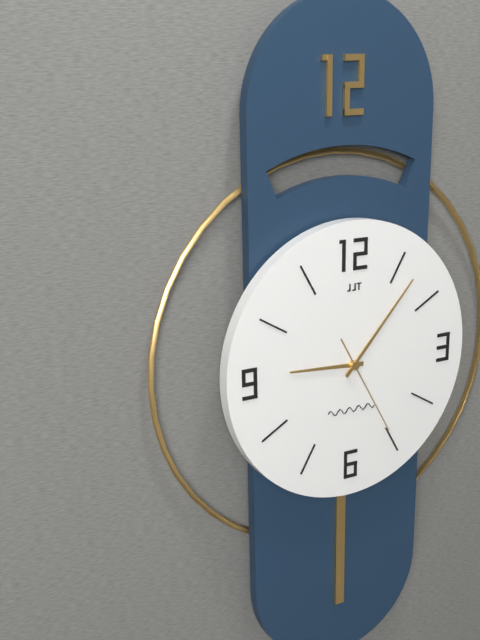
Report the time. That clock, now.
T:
9:07:25
